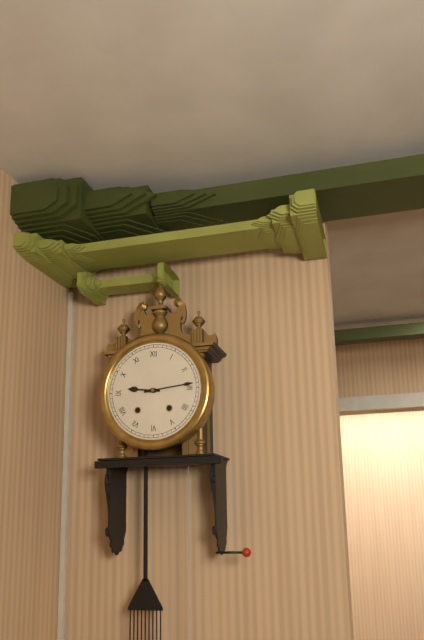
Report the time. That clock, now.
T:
9:14
